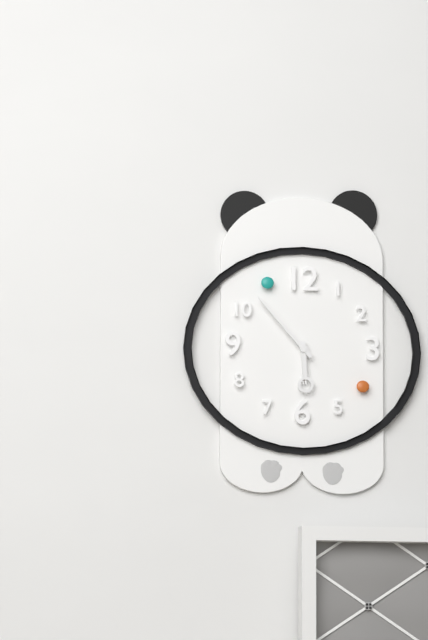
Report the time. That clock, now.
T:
5:53
